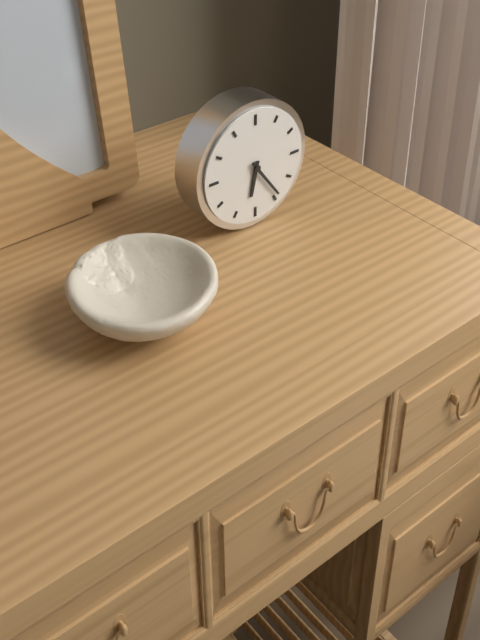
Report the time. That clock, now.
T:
6:24
